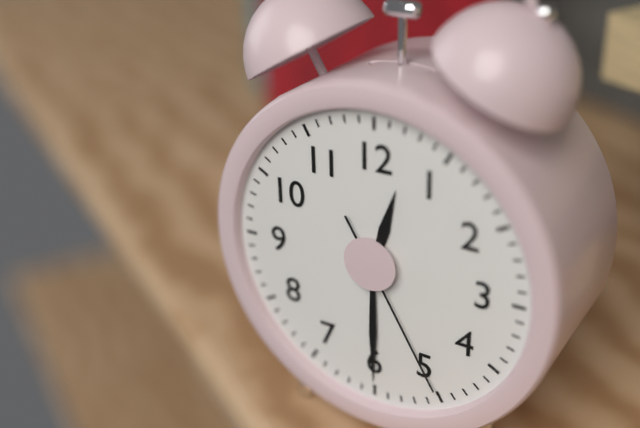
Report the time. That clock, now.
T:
12:30:25
